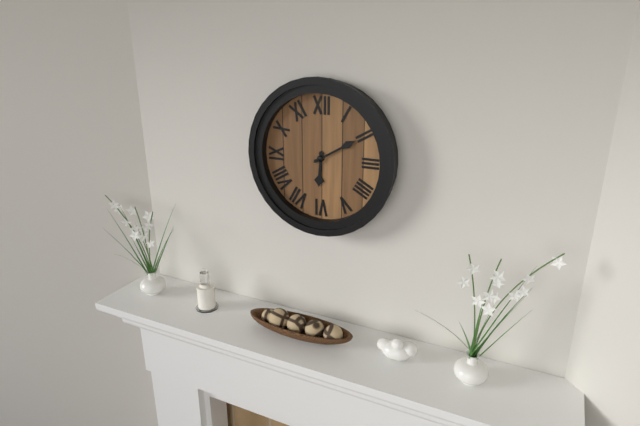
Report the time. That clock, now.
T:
6:10
